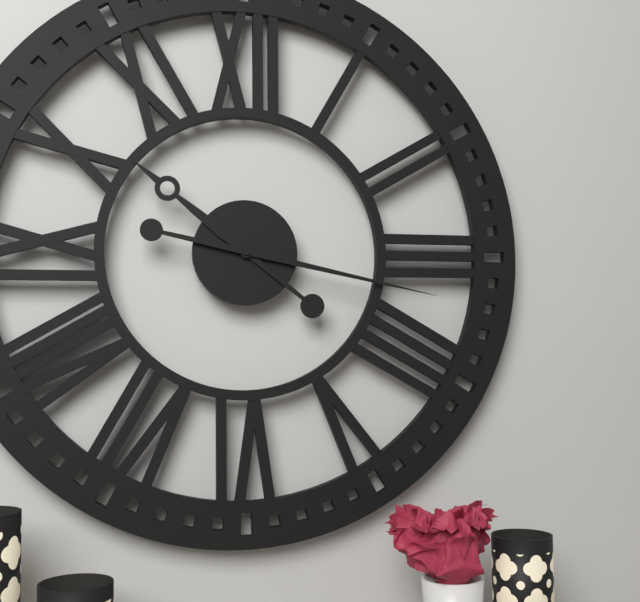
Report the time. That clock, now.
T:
10:17
